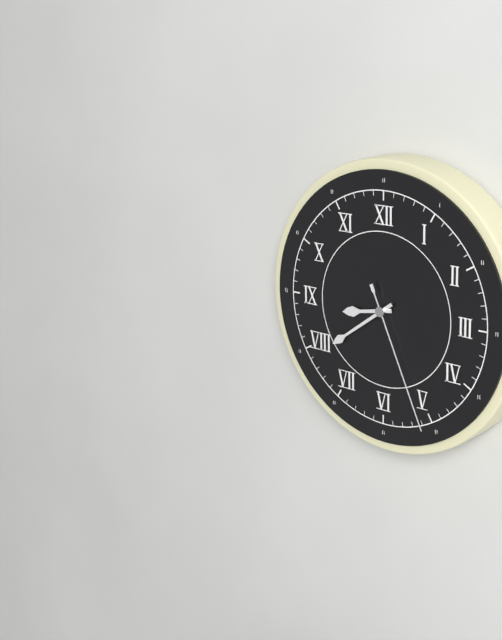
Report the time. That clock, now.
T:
8:39:26
